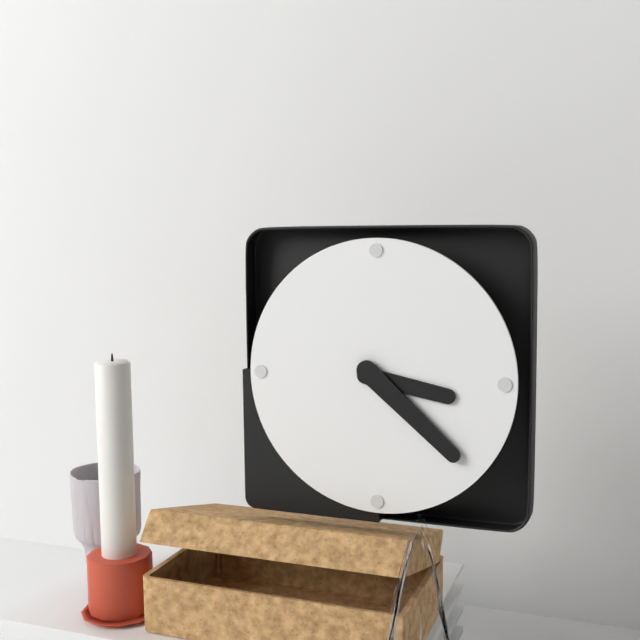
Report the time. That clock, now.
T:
3:22
